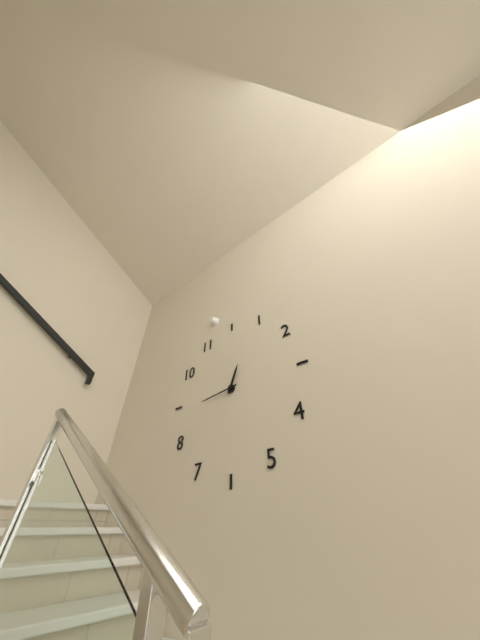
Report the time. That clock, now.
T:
12:44
